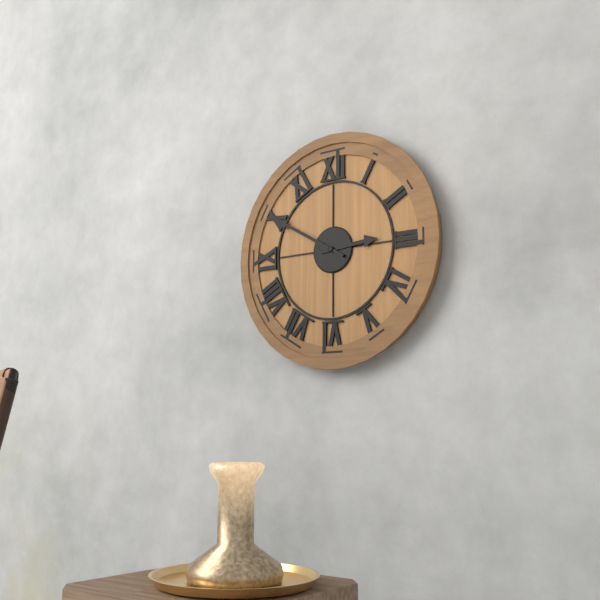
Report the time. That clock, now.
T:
2:50
